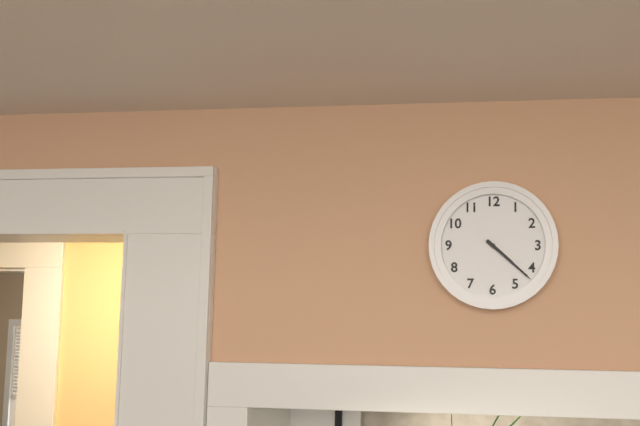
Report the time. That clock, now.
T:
4:22
